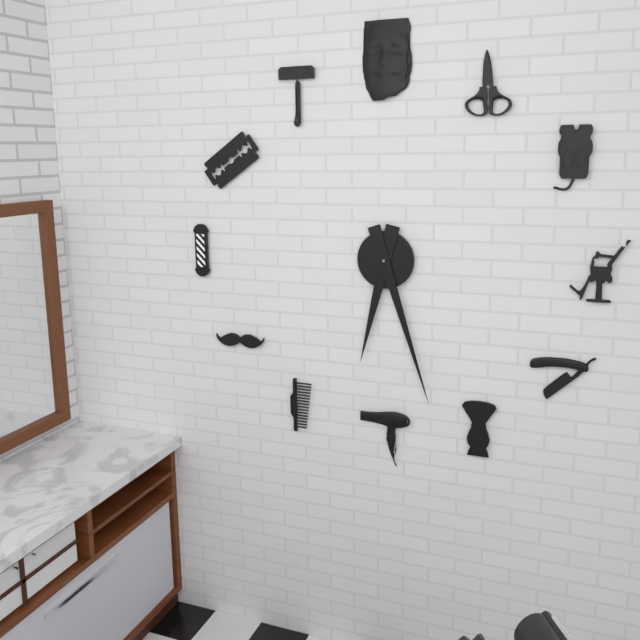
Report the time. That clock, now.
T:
6:27
